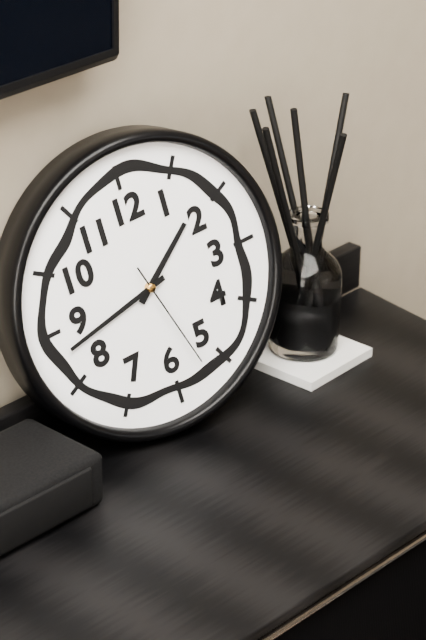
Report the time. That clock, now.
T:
1:43:27
